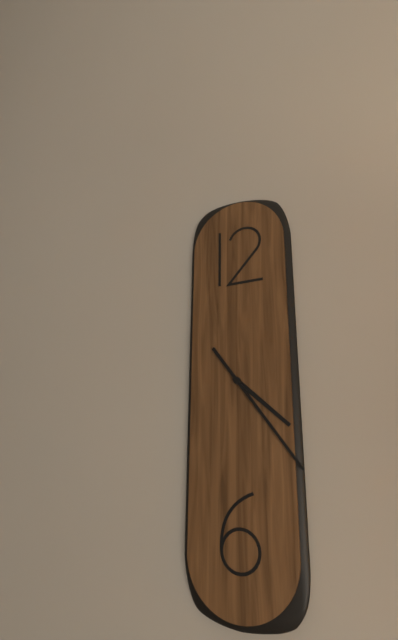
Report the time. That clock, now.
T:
4:24
